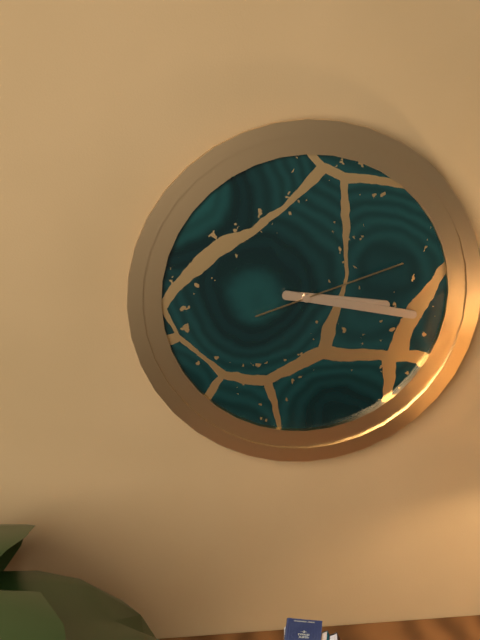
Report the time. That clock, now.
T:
3:17:12
